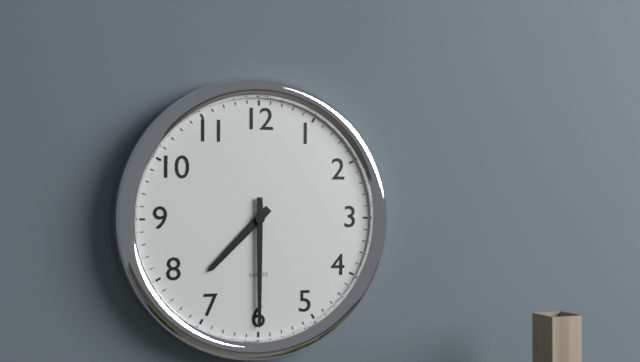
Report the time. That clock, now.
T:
7:30
